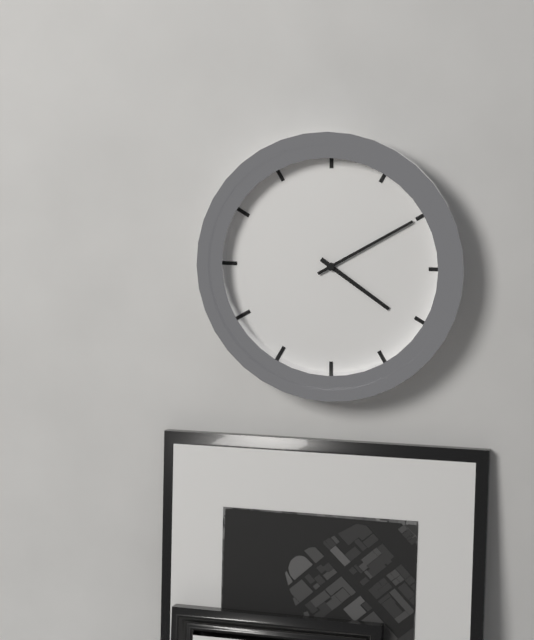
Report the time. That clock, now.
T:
4:10
